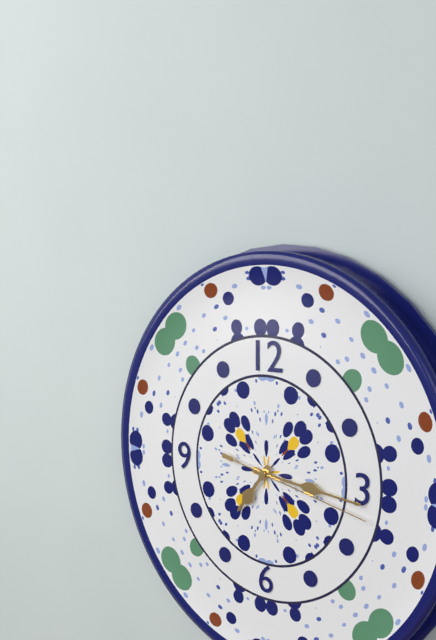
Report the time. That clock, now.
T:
7:16:17
